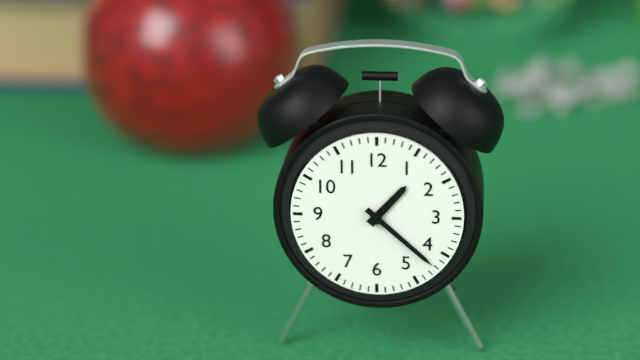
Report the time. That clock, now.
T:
1:22
